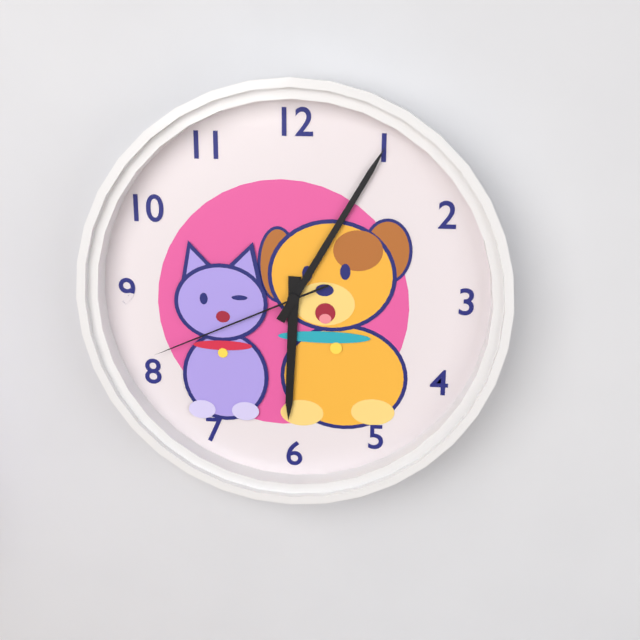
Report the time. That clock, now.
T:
6:05:41
